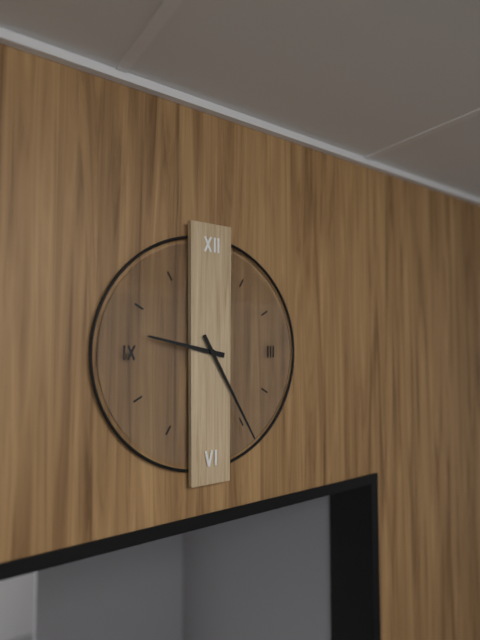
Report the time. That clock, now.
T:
9:25
